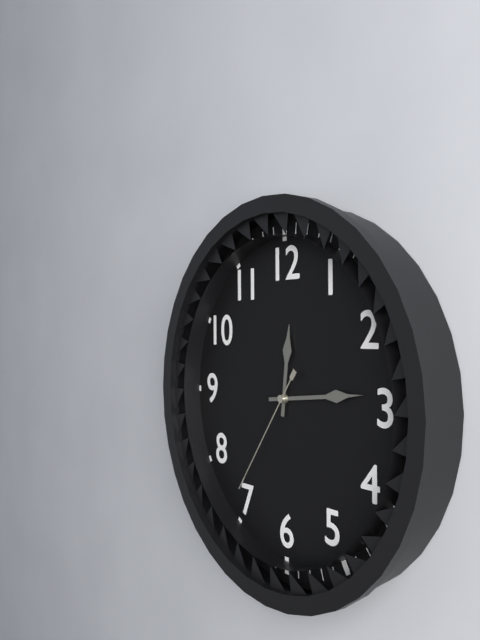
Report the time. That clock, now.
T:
12:14:36
